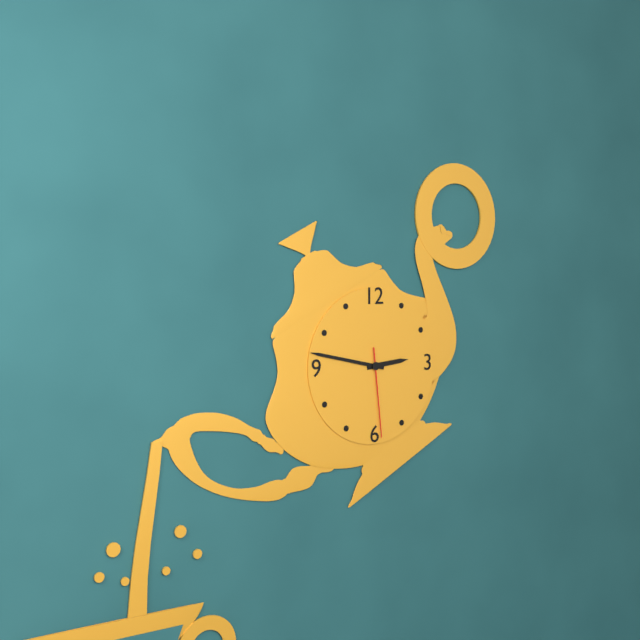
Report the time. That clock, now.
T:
2:47:29
